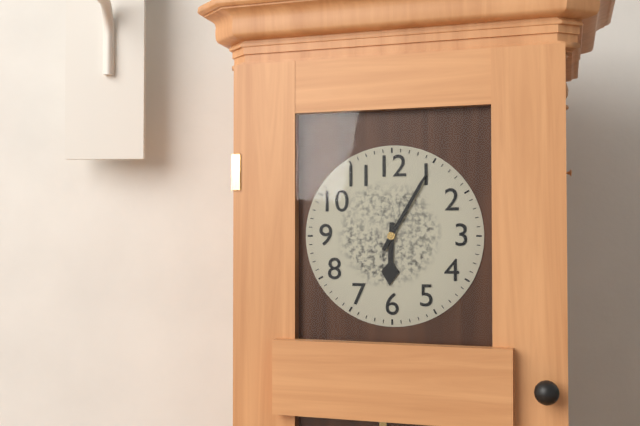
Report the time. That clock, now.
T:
6:05
